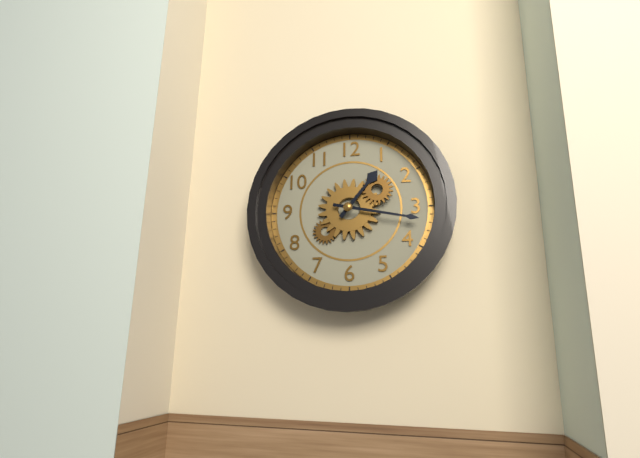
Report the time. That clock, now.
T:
1:17
